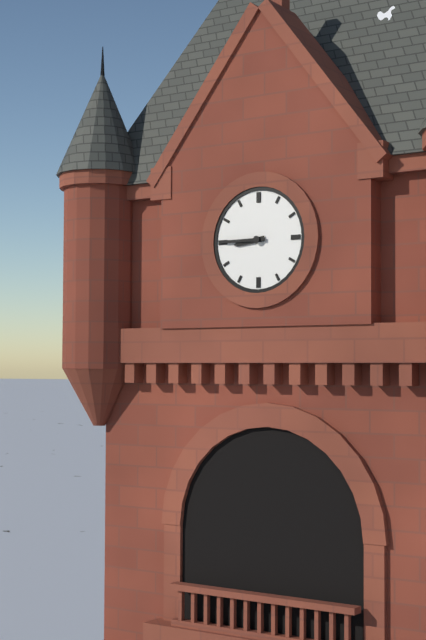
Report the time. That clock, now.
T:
8:45
